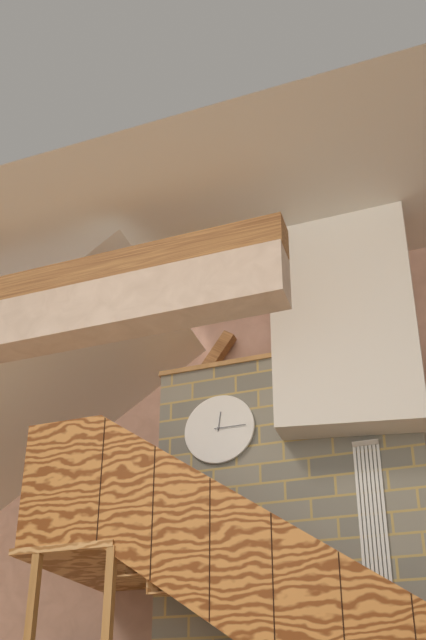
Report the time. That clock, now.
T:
12:15
